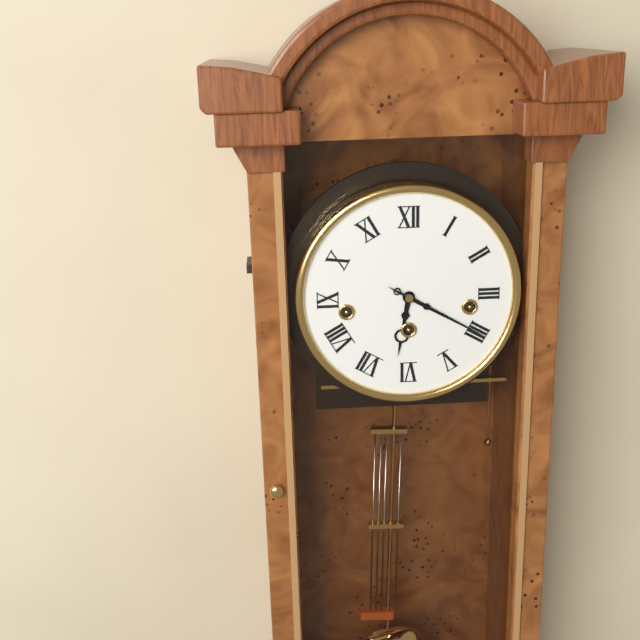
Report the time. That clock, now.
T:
6:20
